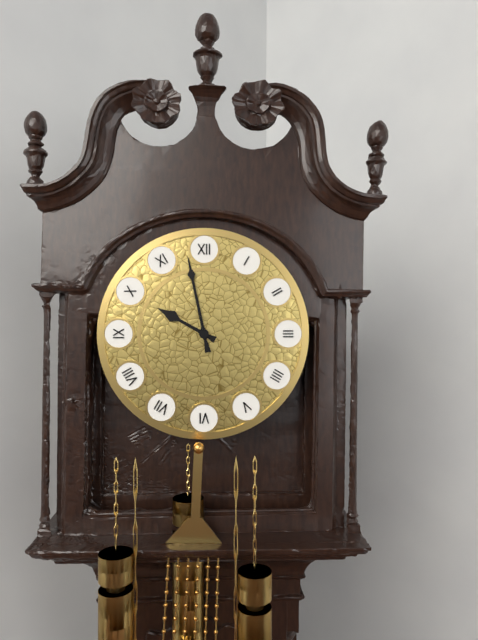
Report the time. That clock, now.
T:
9:58
